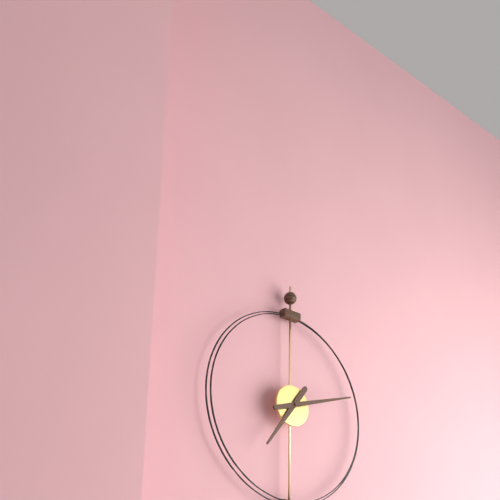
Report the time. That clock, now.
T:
7:12
